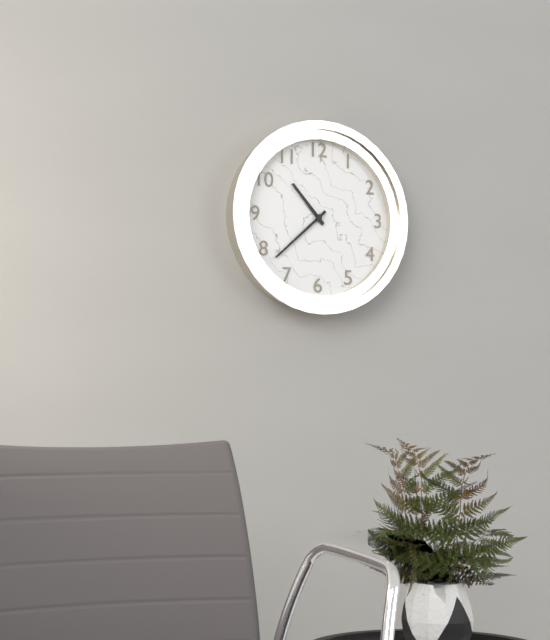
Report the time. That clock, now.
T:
10:38
